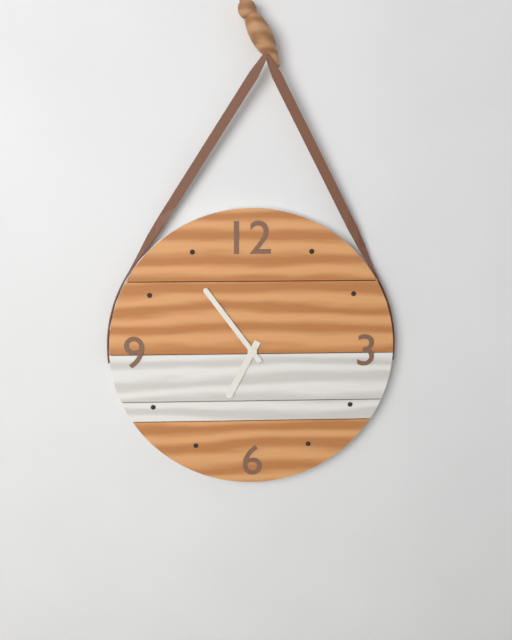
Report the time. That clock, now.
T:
6:54
